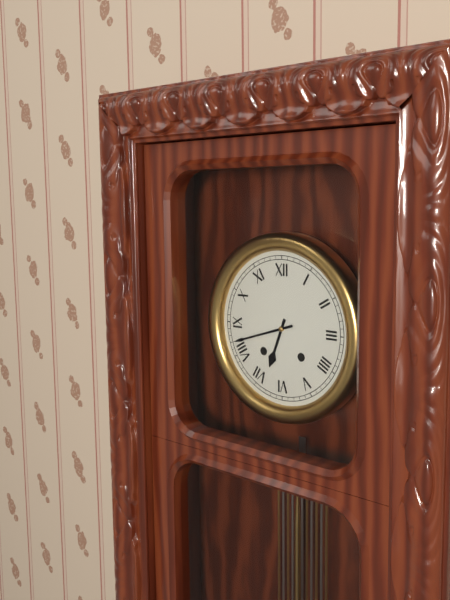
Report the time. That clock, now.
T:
6:42
